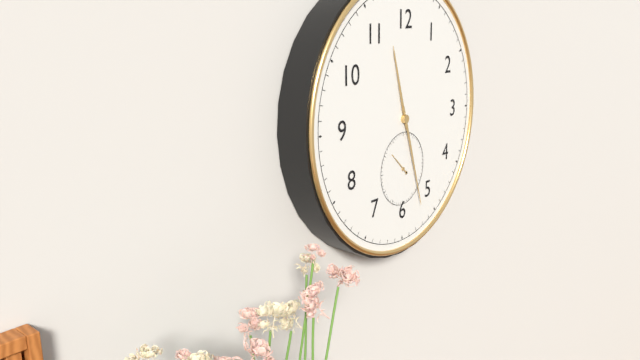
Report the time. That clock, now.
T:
11:27
